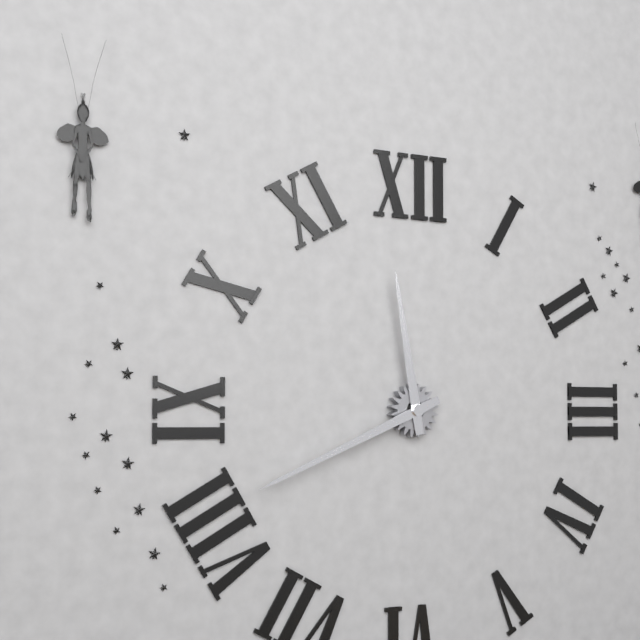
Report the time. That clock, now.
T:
11:41
